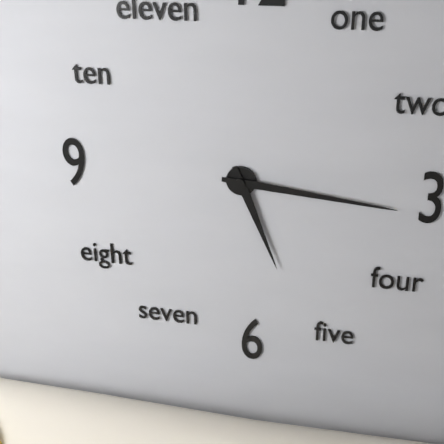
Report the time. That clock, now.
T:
5:16
